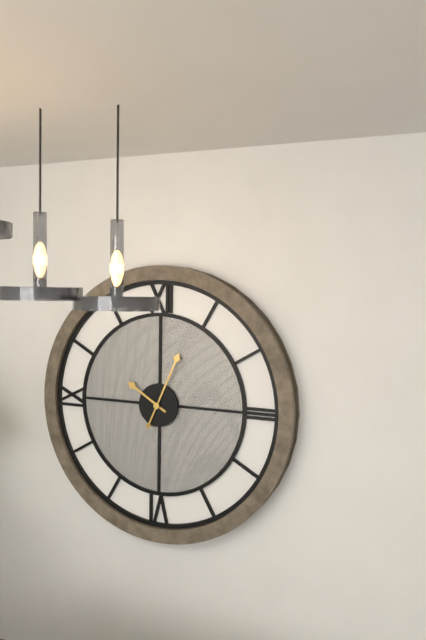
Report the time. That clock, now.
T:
10:04
